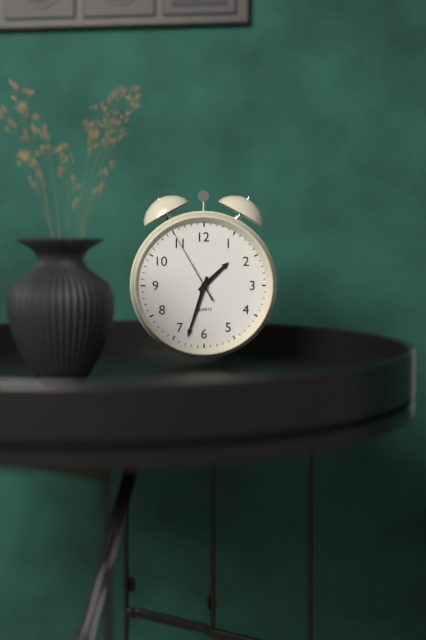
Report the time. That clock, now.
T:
1:33:55
